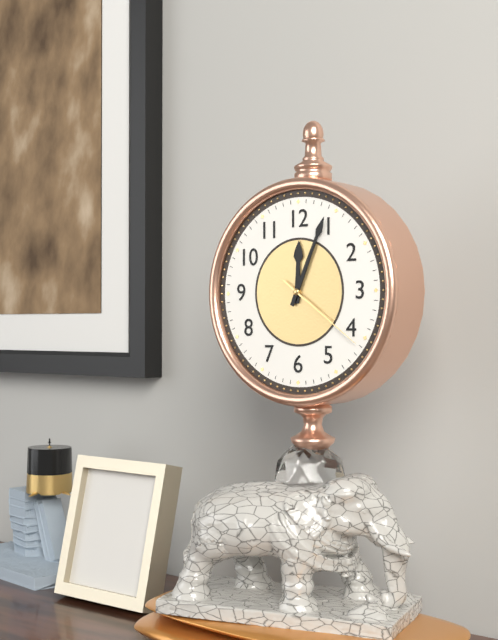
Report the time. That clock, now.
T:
12:04:21
